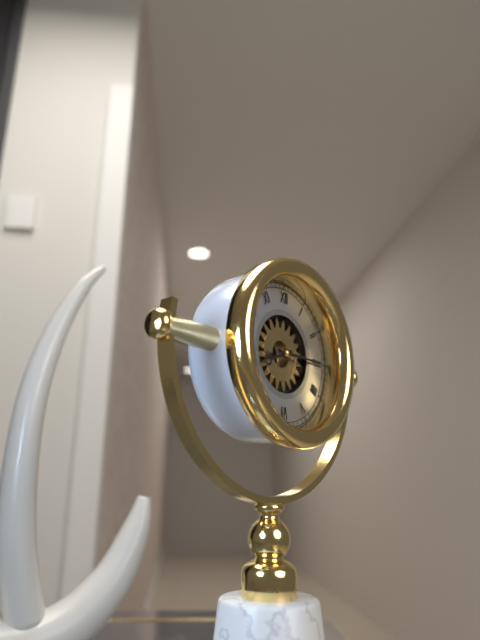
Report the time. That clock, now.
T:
8:15
